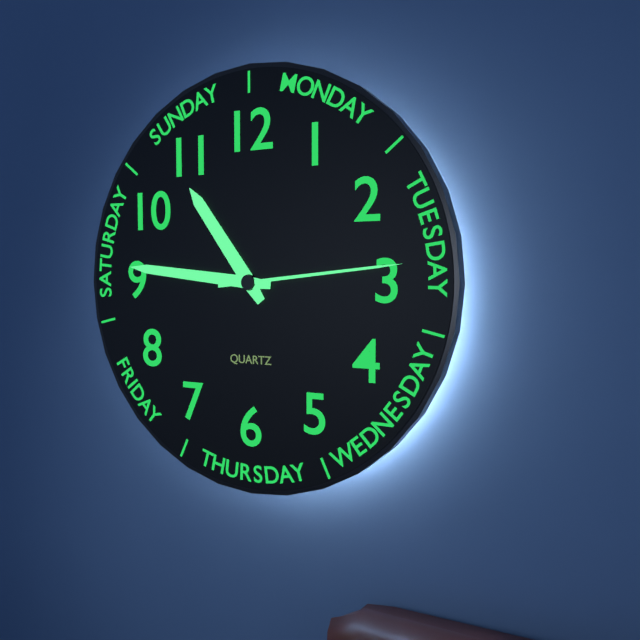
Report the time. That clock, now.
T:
10:46:14
